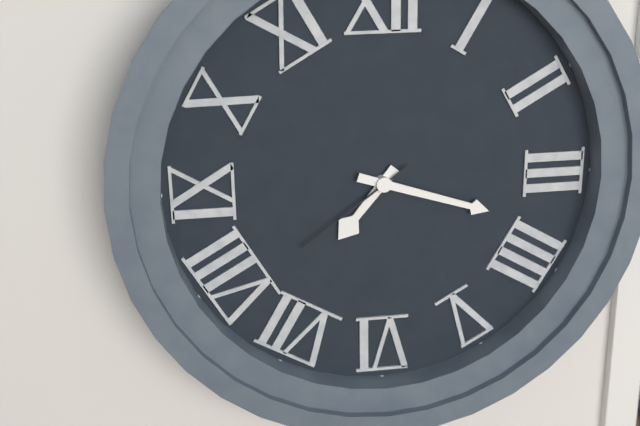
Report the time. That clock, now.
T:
7:18:39
